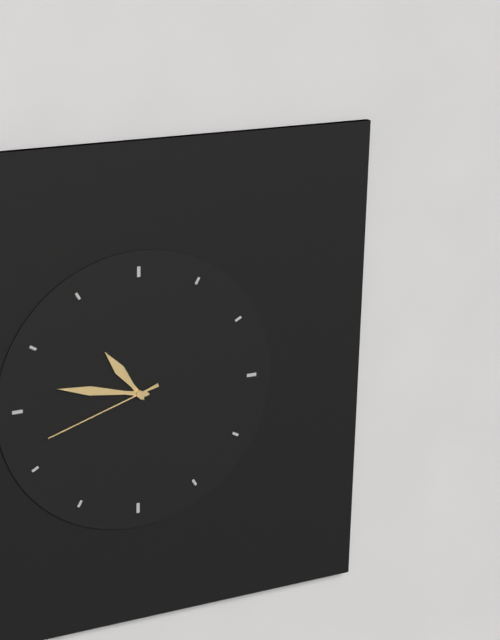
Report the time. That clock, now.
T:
10:47:42
